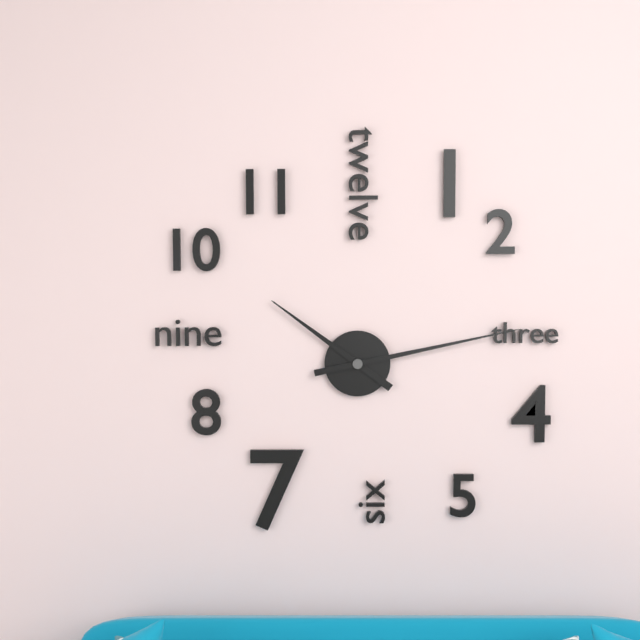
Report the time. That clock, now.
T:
10:13
